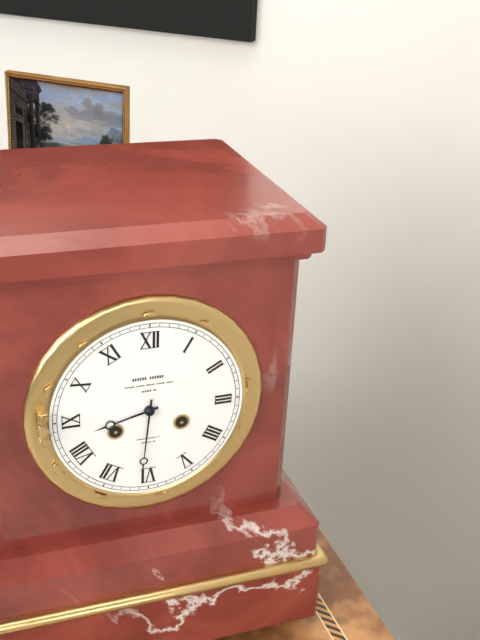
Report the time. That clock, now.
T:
8:31
